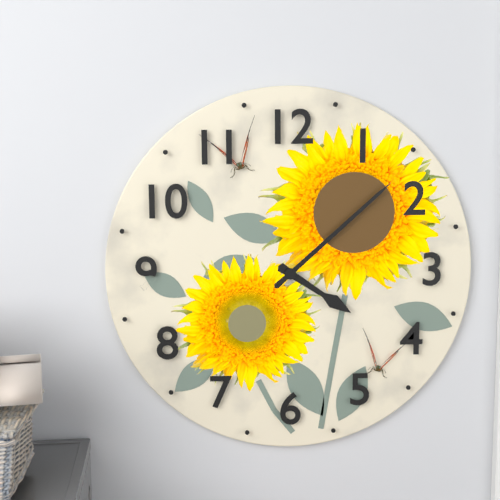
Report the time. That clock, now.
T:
4:08
